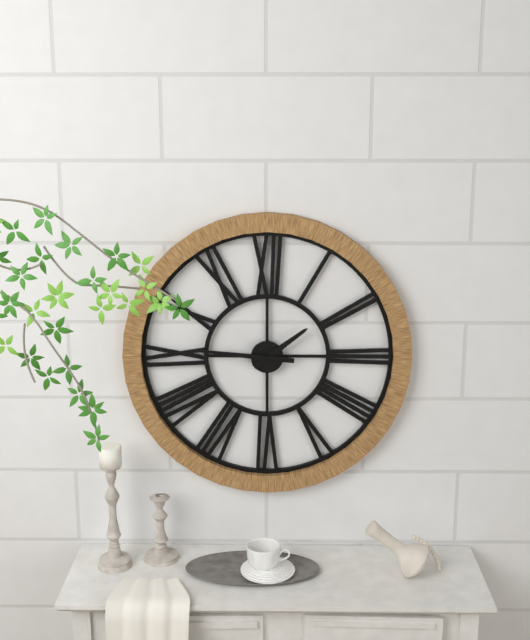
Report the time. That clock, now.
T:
1:46
